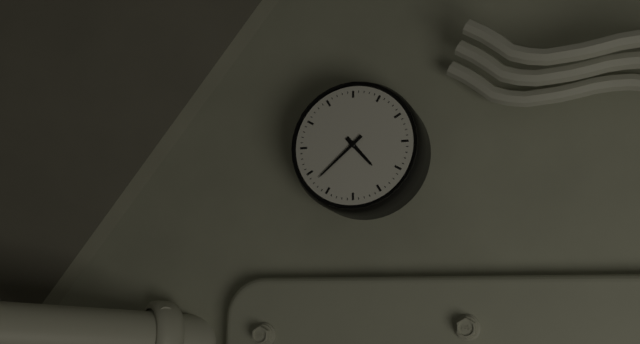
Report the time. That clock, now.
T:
4:38
